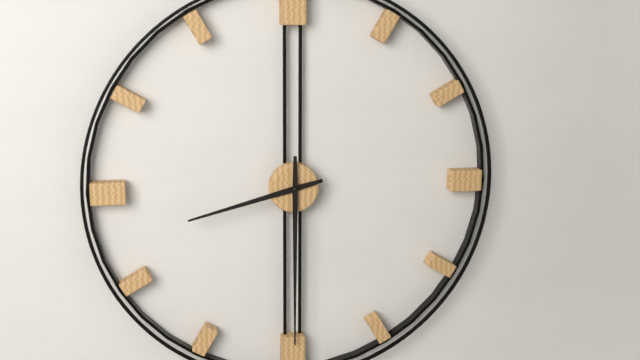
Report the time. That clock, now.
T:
8:30
